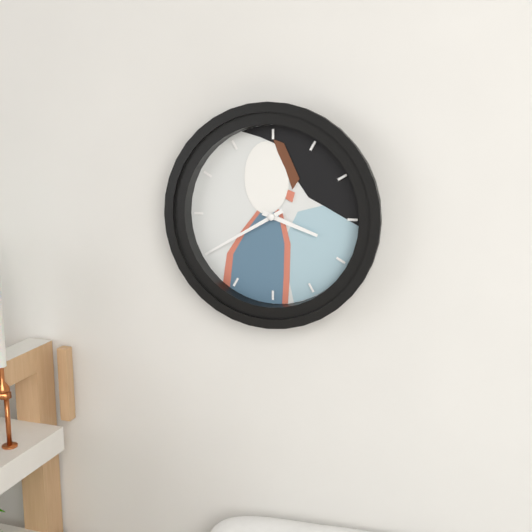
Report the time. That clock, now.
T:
3:40
